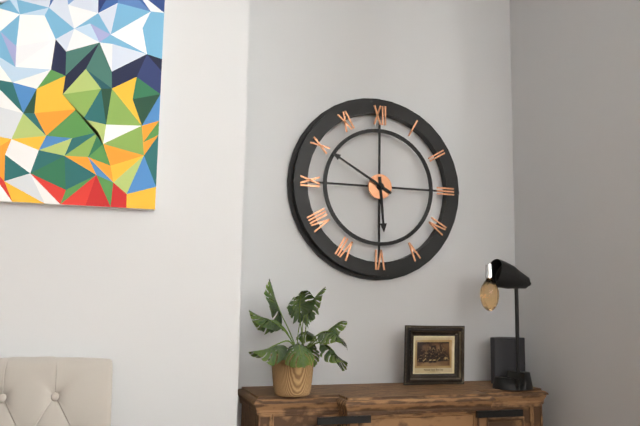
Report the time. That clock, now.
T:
5:50
